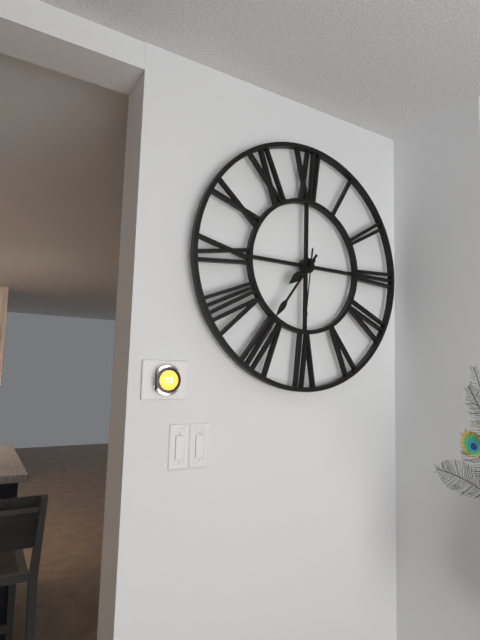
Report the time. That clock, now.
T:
7:36:31
